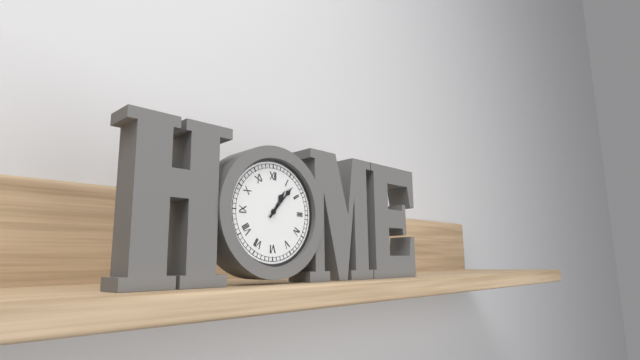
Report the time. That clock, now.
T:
1:07
